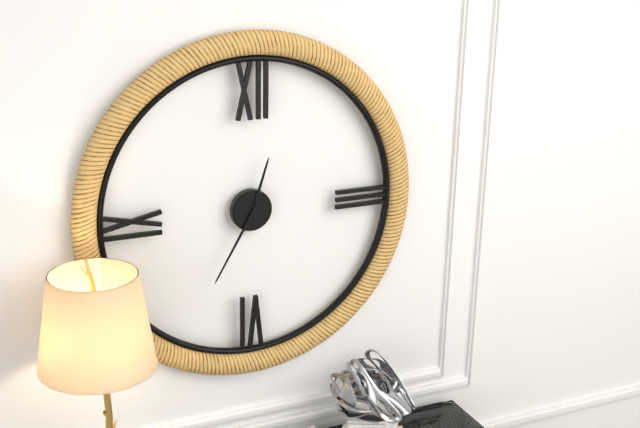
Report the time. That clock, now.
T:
12:35
